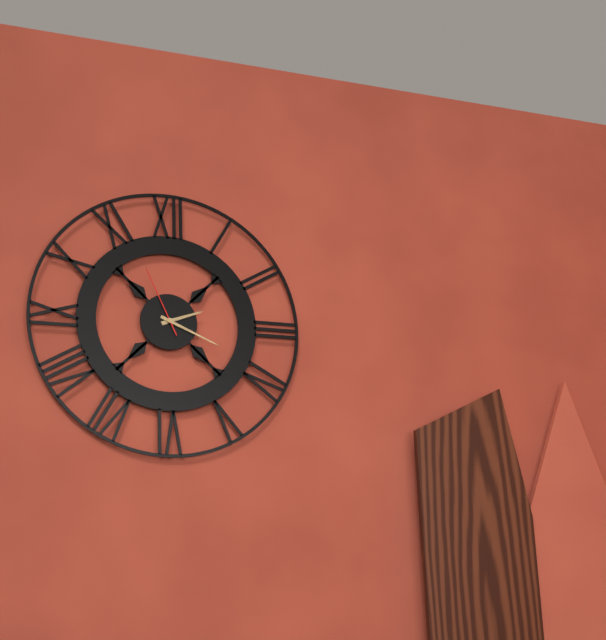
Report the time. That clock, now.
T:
2:19:56
